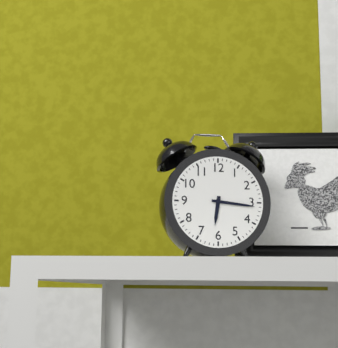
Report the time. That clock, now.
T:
6:16
